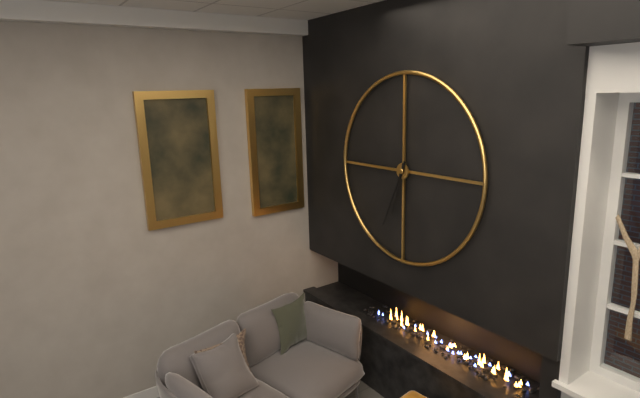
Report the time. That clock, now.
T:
6:34
